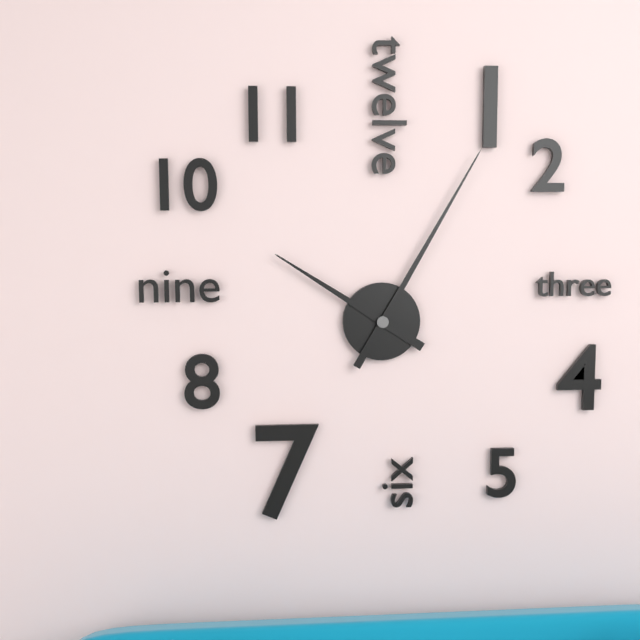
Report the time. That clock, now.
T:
10:05
